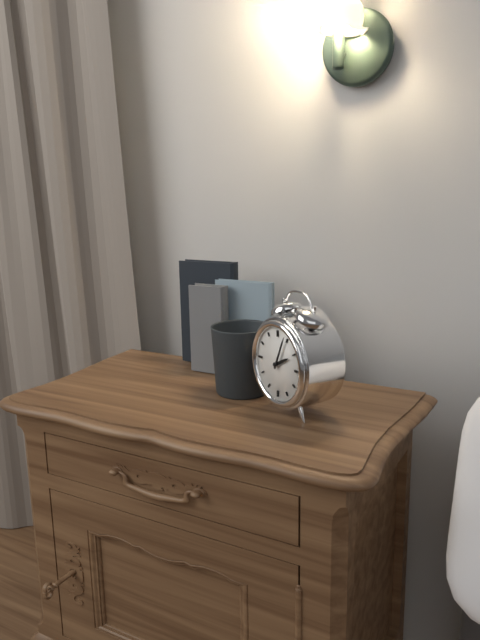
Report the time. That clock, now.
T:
2:04
